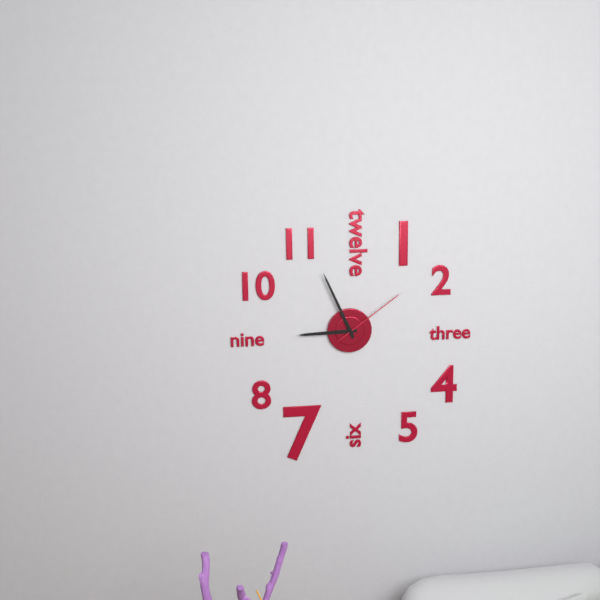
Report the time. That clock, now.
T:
8:56:09
